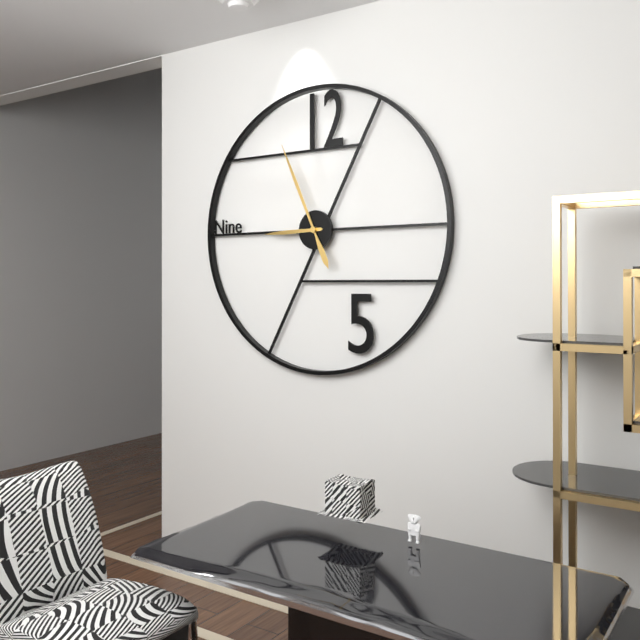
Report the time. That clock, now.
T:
8:56
